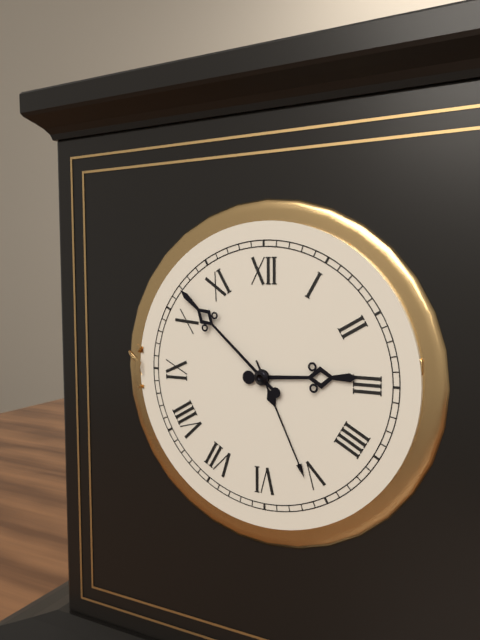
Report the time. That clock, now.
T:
2:52
